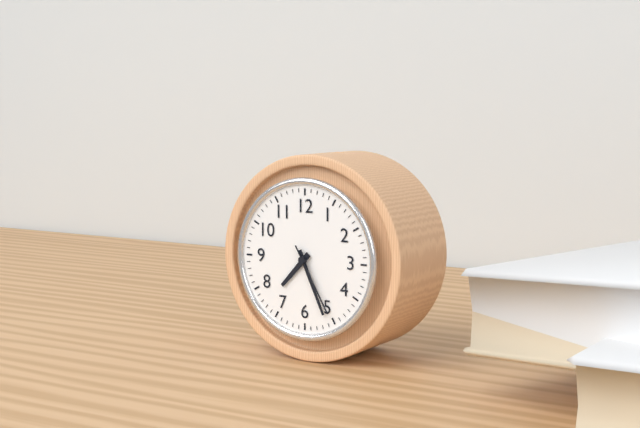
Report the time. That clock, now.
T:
7:26:25
